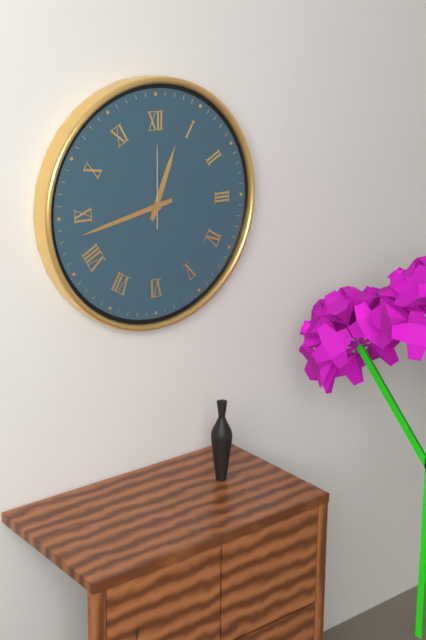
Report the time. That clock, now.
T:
12:43:00
